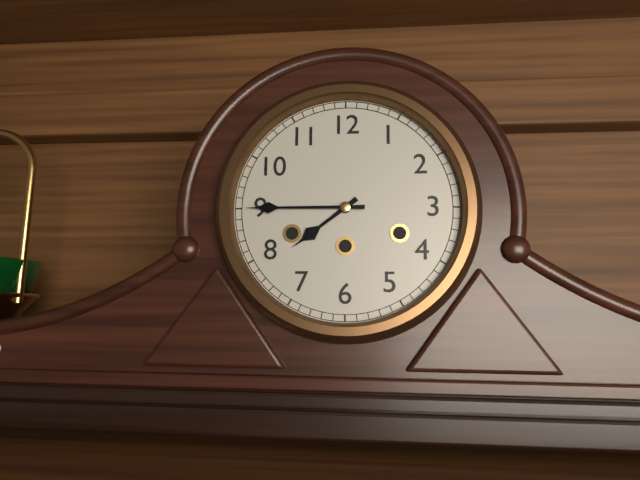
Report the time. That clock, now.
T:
7:45
